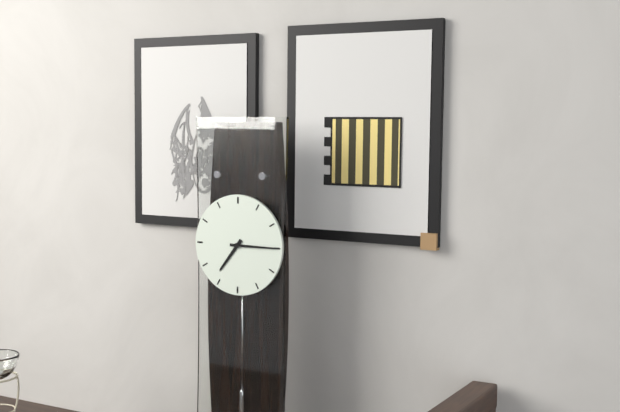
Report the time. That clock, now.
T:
7:15
